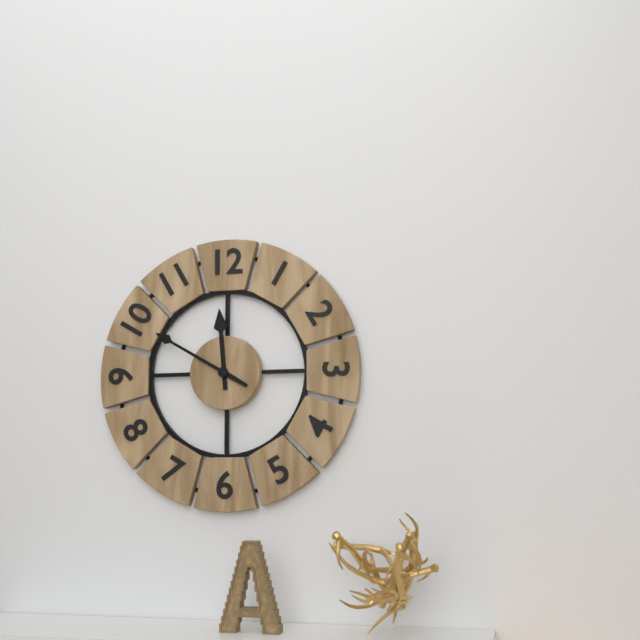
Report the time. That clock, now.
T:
11:50
